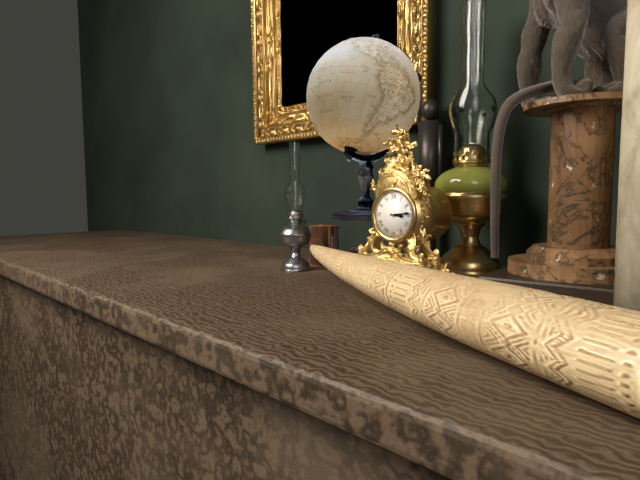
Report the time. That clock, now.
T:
3:14
